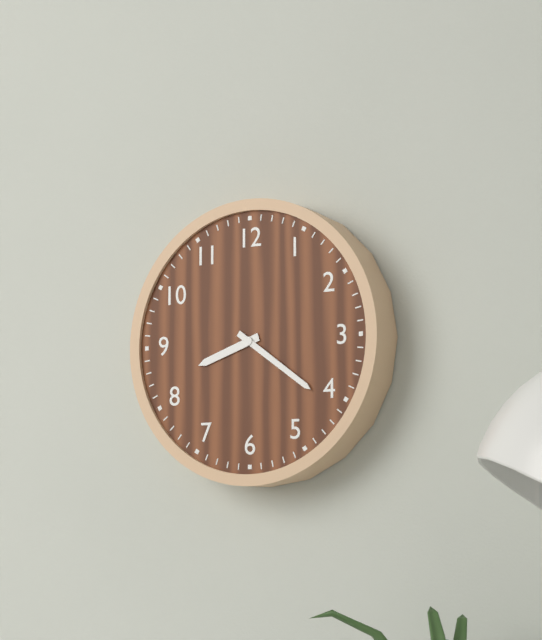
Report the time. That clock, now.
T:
8:21
